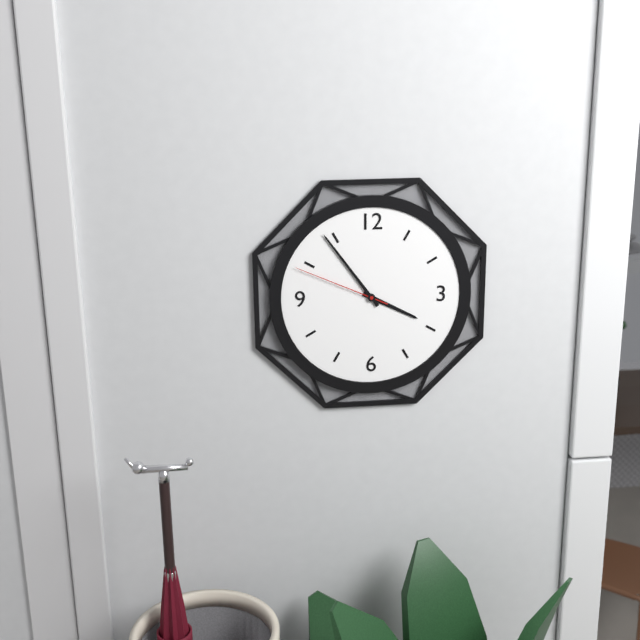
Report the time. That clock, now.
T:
3:54:49
